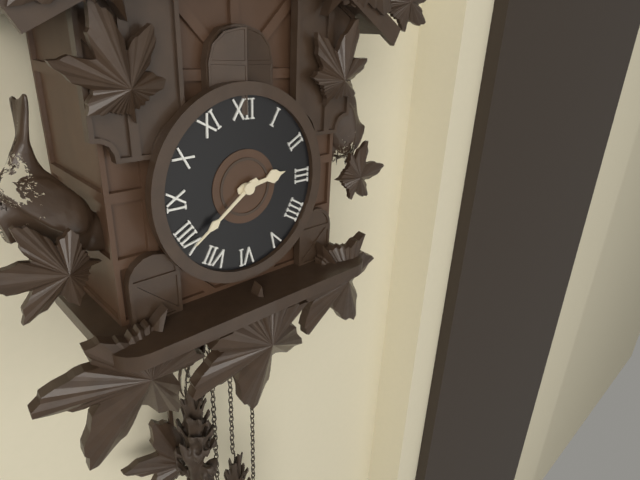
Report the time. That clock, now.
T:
2:39
